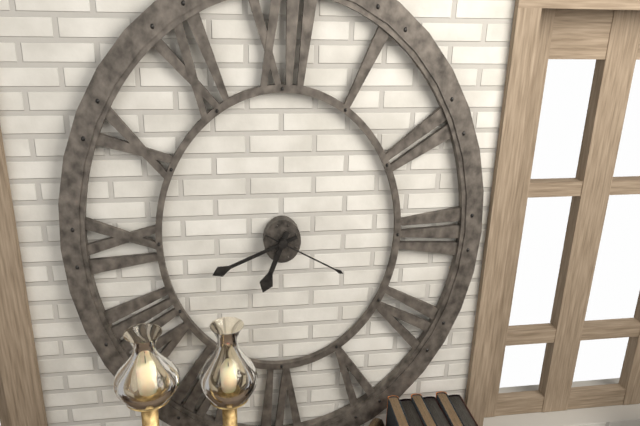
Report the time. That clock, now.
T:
6:41:20
